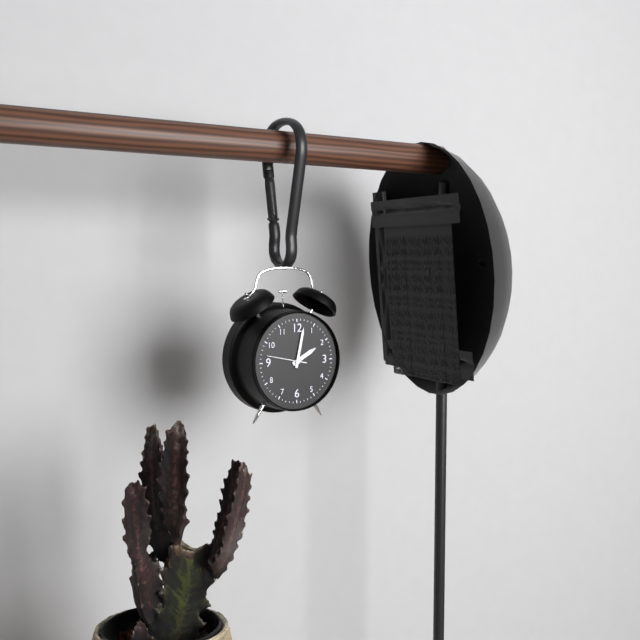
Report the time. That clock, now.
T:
2:02
